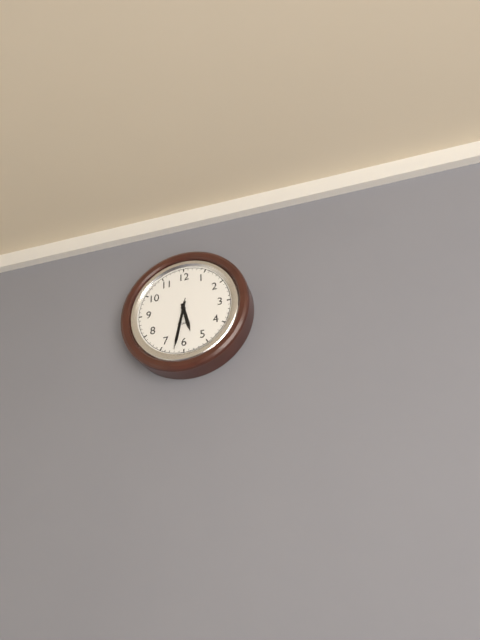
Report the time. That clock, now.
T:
5:32:32
